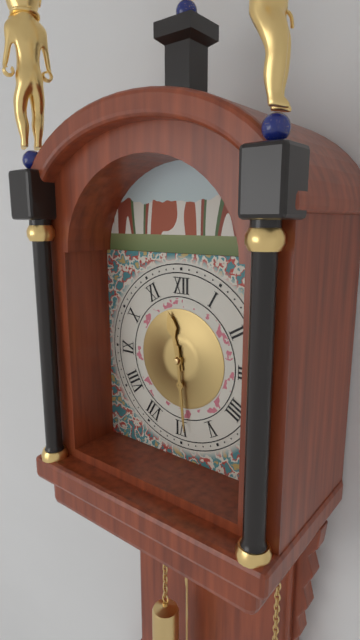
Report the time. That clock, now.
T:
11:29
